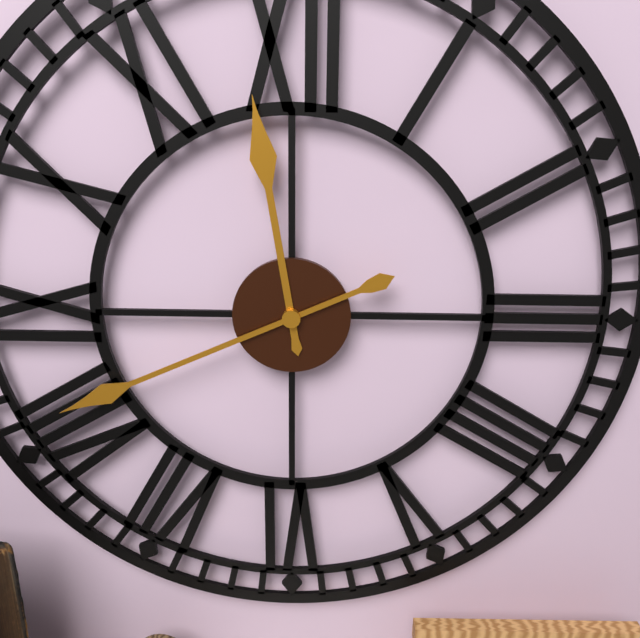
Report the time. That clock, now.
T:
11:41
